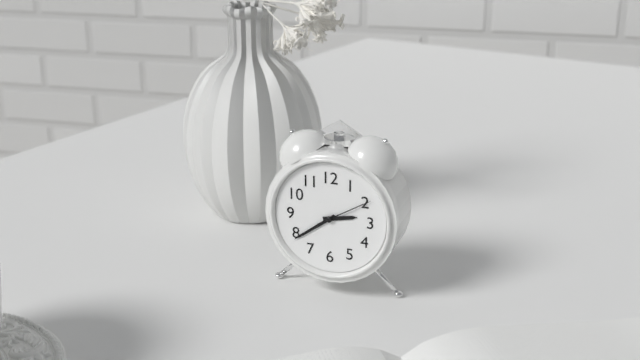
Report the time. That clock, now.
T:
2:39:10
